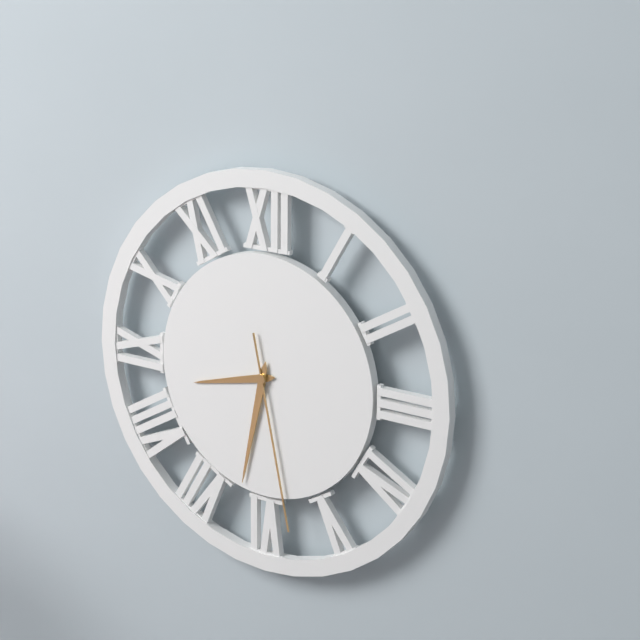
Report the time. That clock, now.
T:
8:32:28
